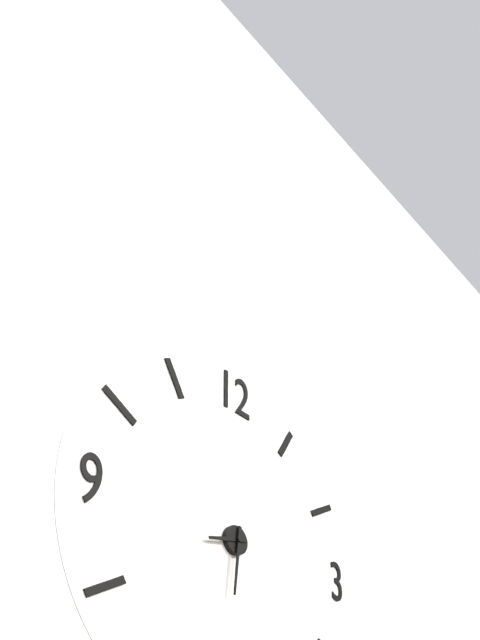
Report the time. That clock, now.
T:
8:31
